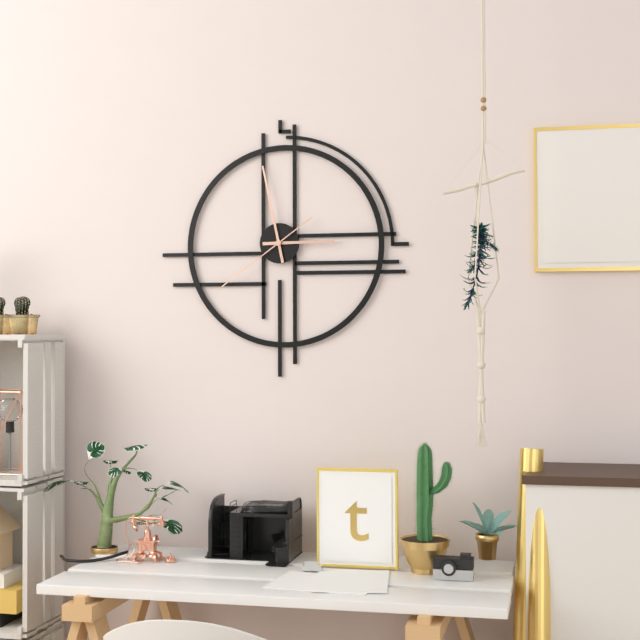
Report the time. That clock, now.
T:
2:58:39
